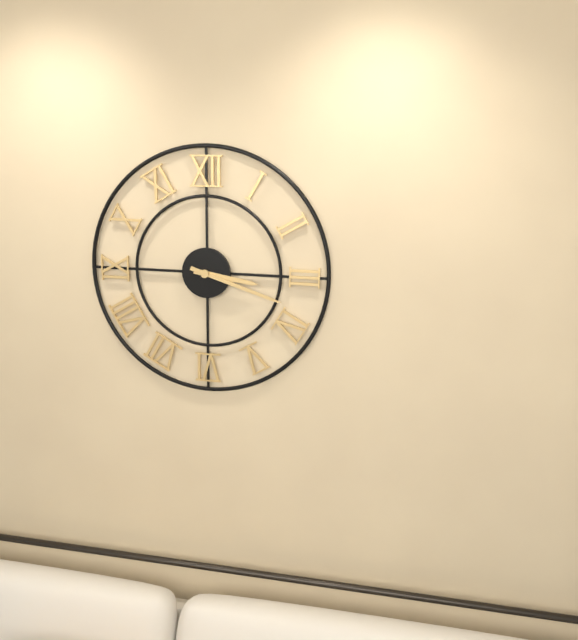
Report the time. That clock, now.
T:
3:18
